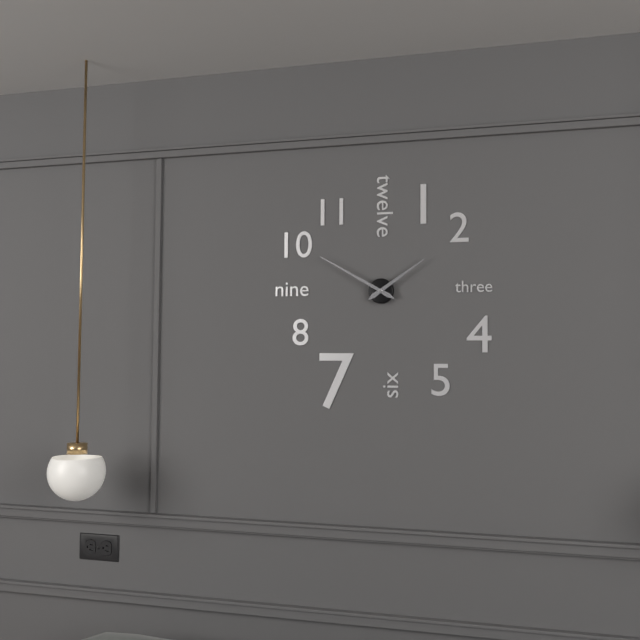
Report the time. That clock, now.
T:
1:50
